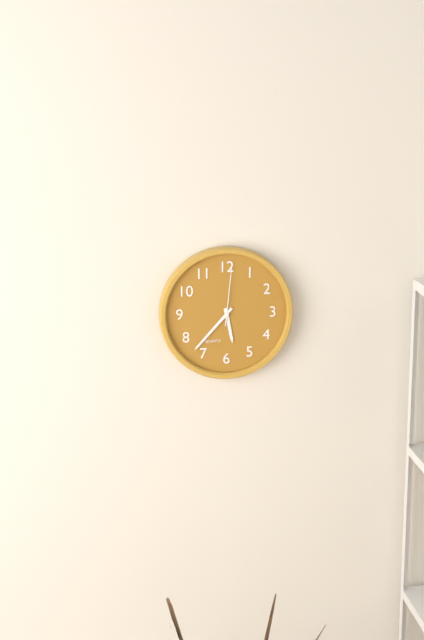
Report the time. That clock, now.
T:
5:37:01
